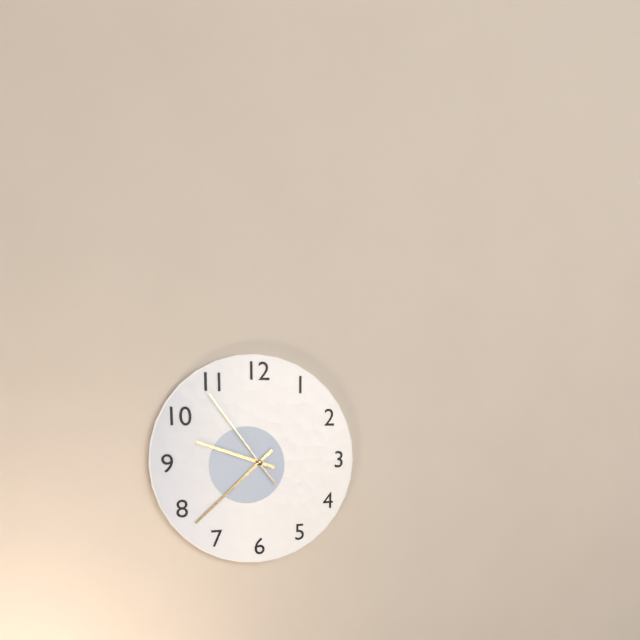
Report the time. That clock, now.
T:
9:38:54
